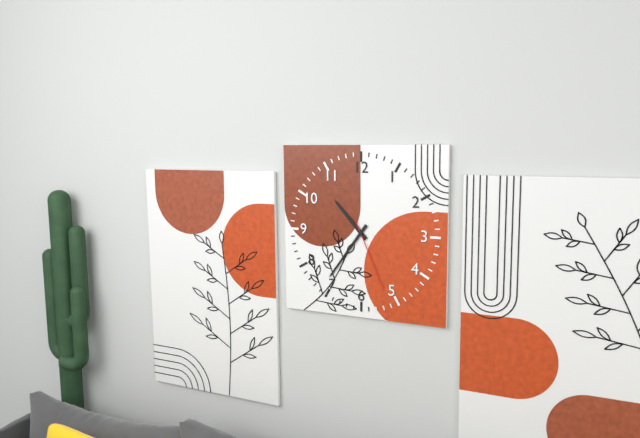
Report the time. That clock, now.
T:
10:36:26
